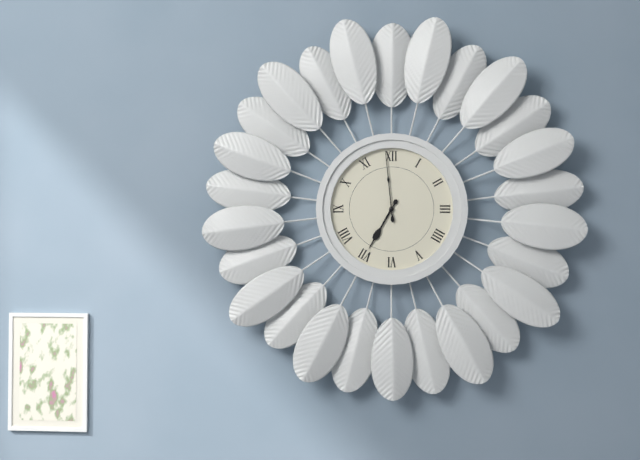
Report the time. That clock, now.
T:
6:59
